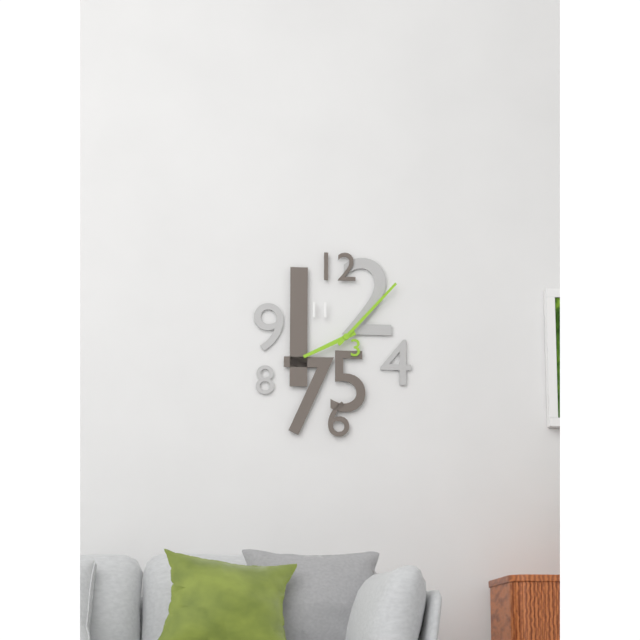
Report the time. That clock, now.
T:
8:07
